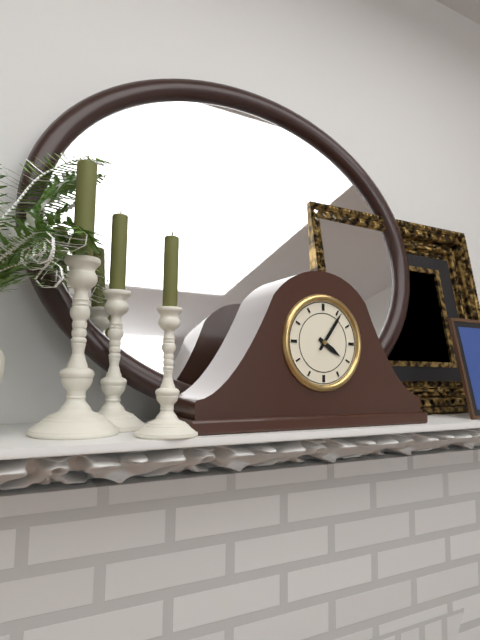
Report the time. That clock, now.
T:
4:06
